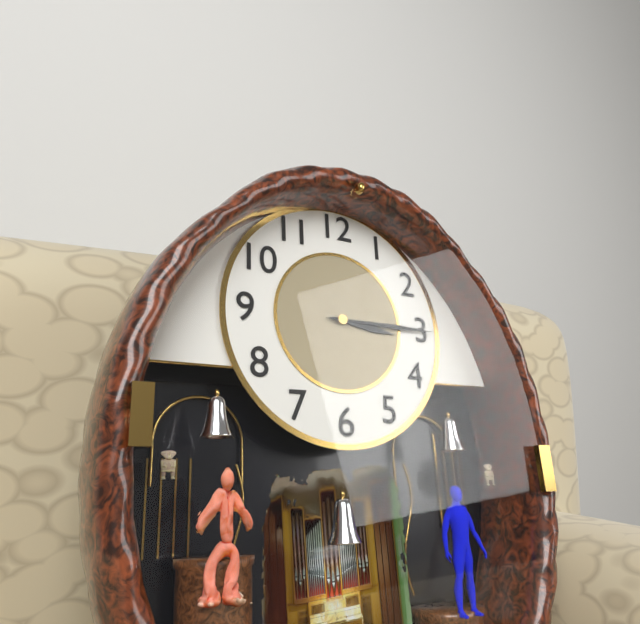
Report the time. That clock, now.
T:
3:15
